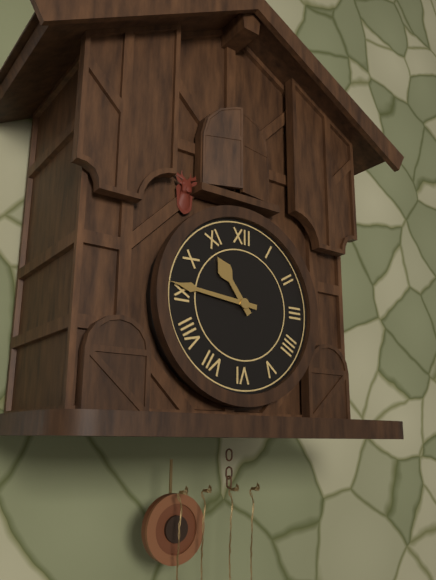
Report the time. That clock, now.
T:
10:46
